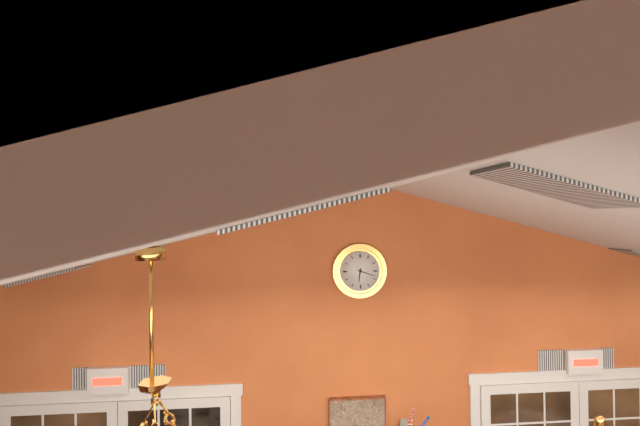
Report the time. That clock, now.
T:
6:18
